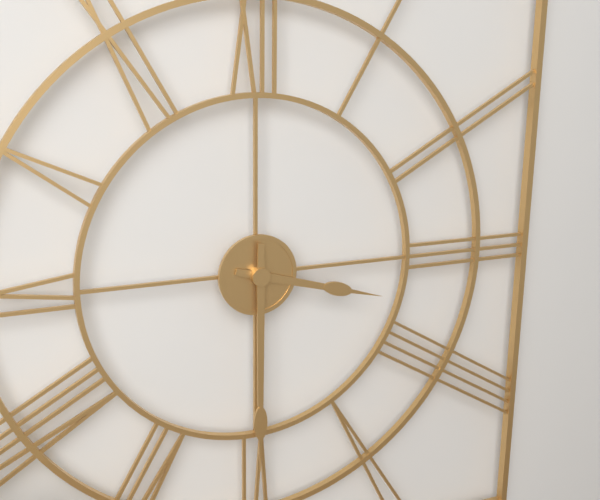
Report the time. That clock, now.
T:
3:30
